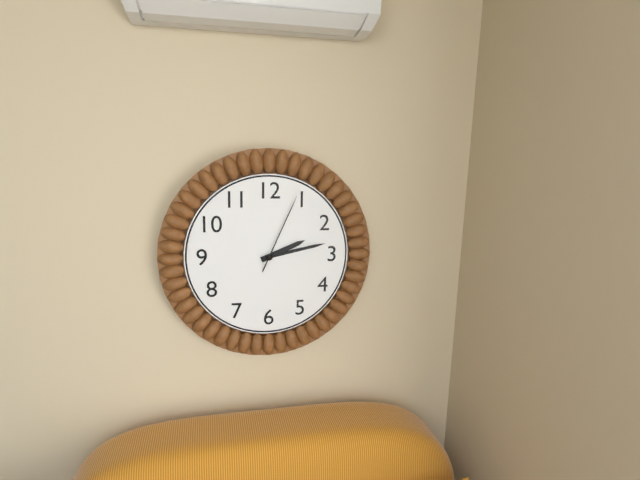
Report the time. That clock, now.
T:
2:13:04
